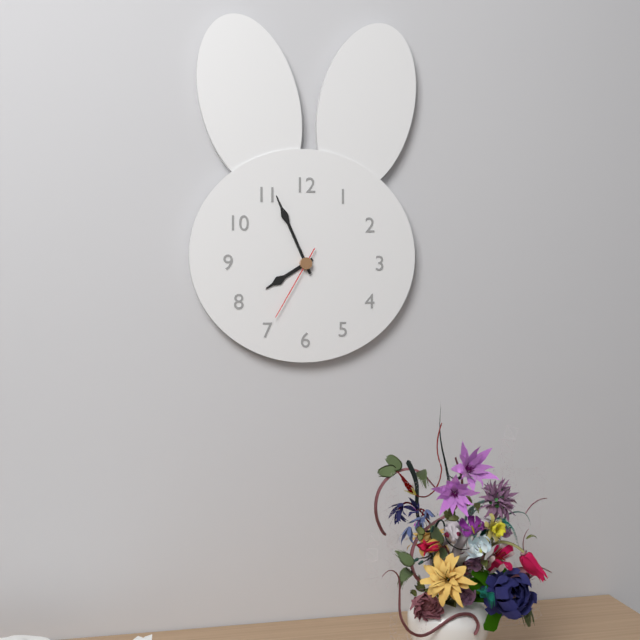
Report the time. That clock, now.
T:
7:56:35
